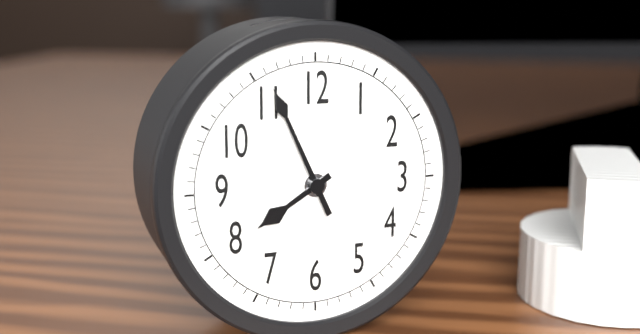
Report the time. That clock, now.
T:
7:56
